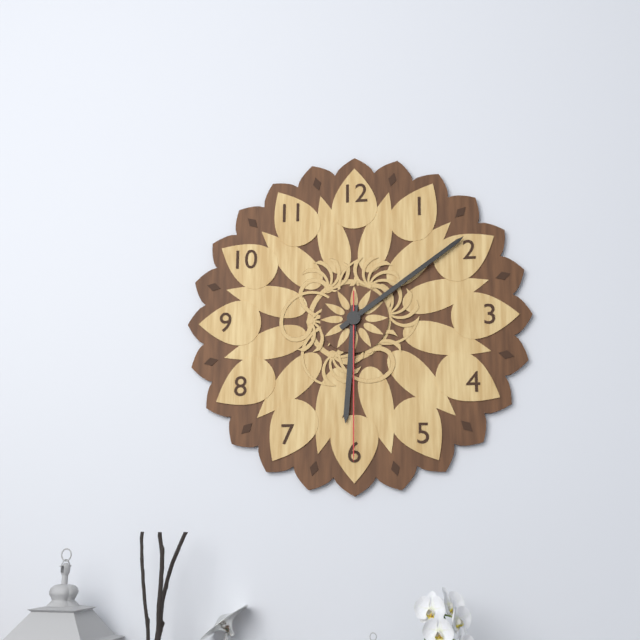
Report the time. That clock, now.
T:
6:09:30
